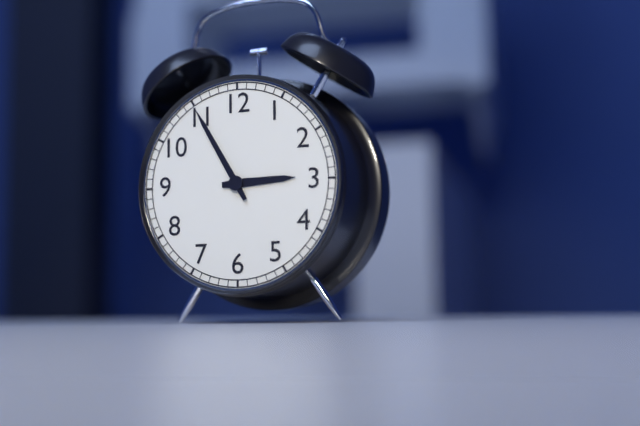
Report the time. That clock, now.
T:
2:55
